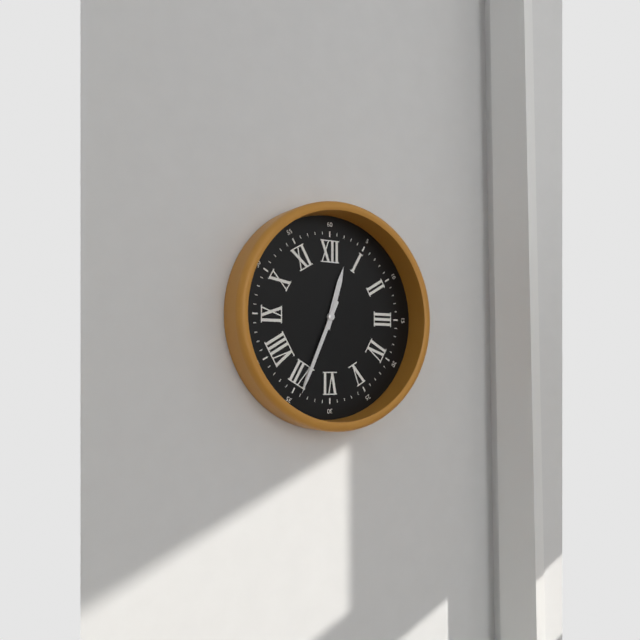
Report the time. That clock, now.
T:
12:34
